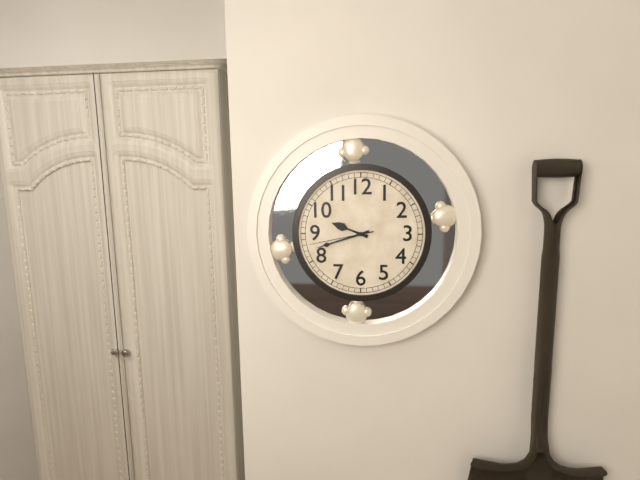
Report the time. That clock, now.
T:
9:42:43
